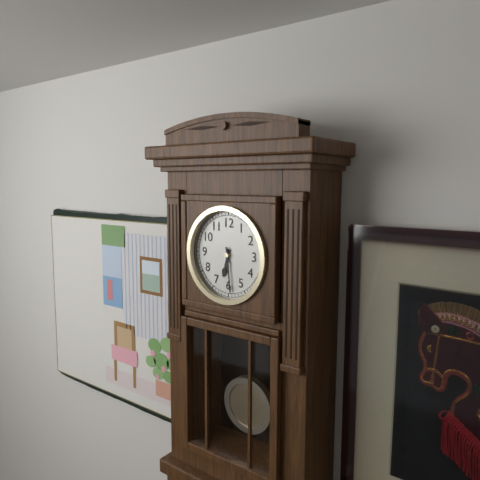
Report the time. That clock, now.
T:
6:29
